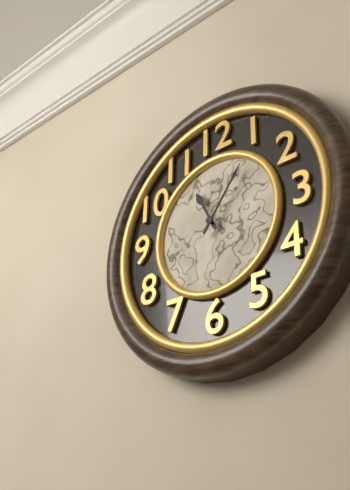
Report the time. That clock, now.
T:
11:06
